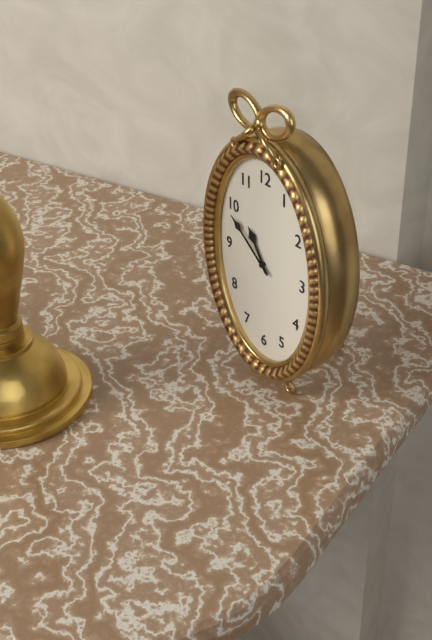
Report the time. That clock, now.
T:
10:51
